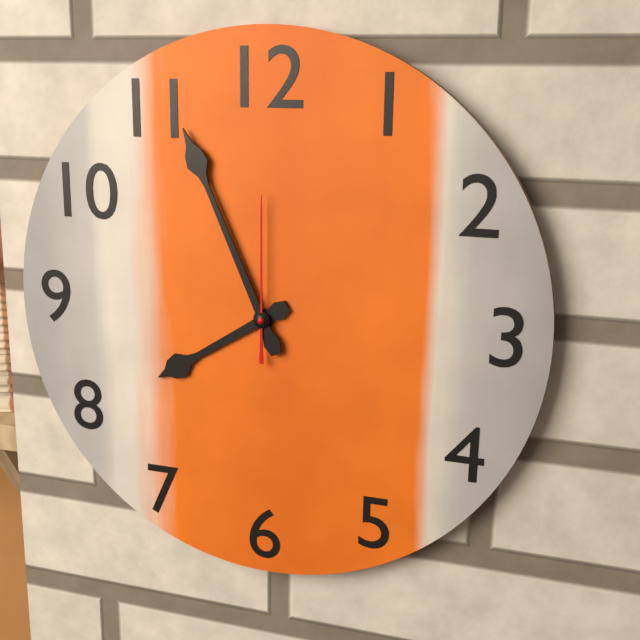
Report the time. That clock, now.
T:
7:56:00
